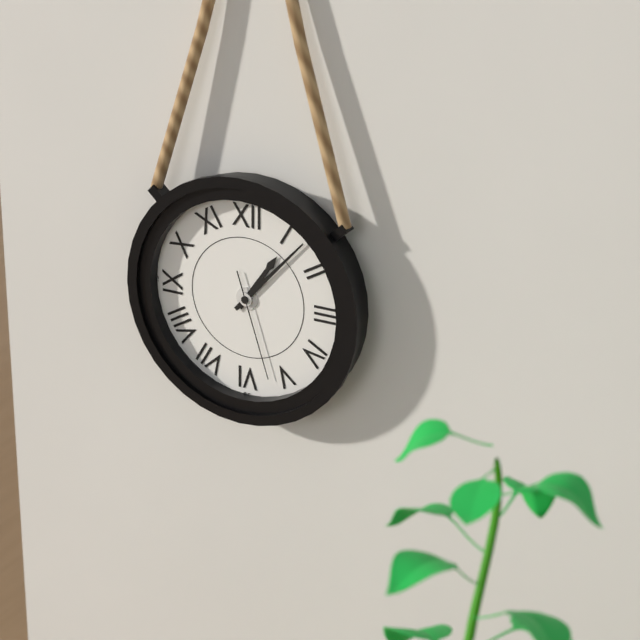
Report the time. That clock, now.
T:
1:07:27
